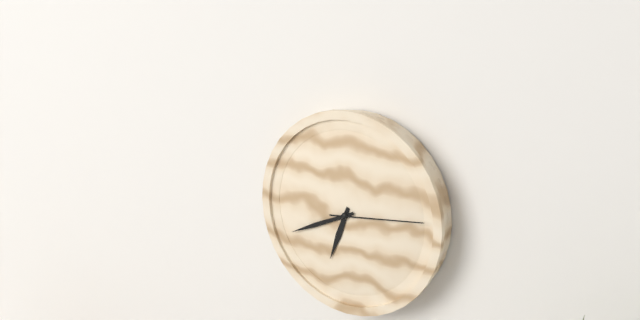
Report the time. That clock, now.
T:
6:41:14
